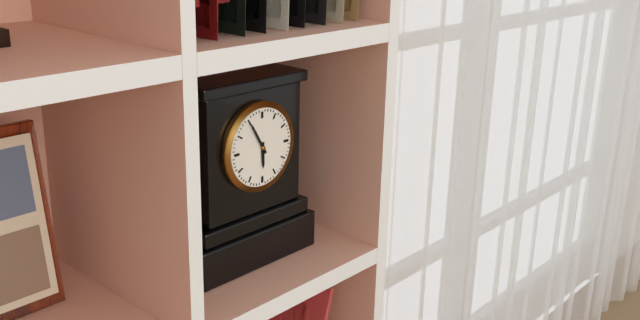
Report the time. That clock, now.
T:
5:55
